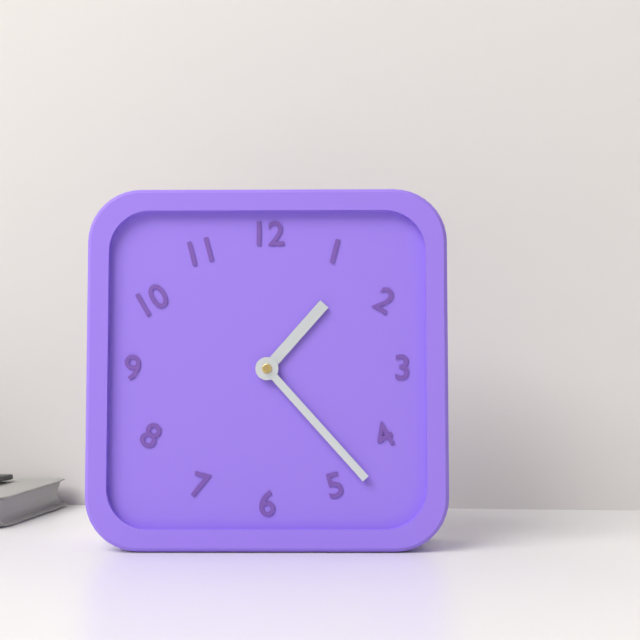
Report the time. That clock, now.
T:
1:23
